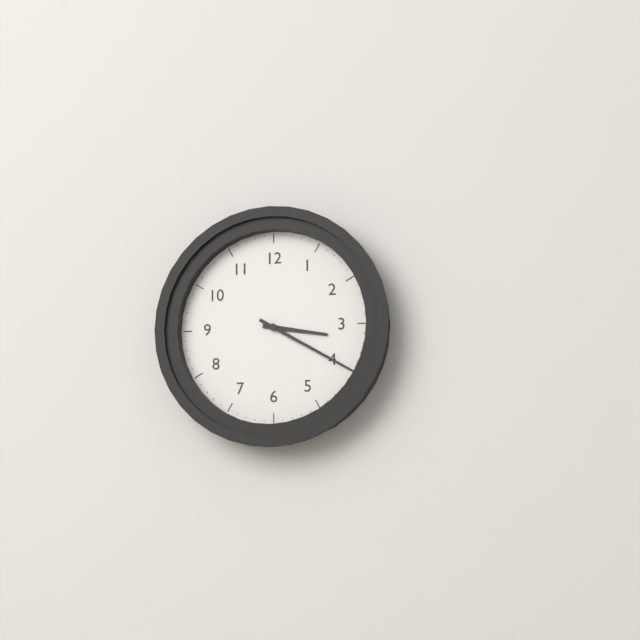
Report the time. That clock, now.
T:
3:20
